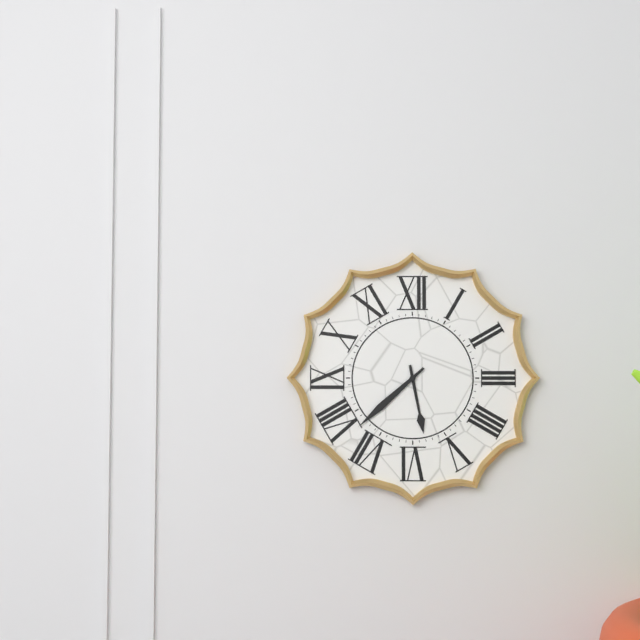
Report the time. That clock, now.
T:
5:38
